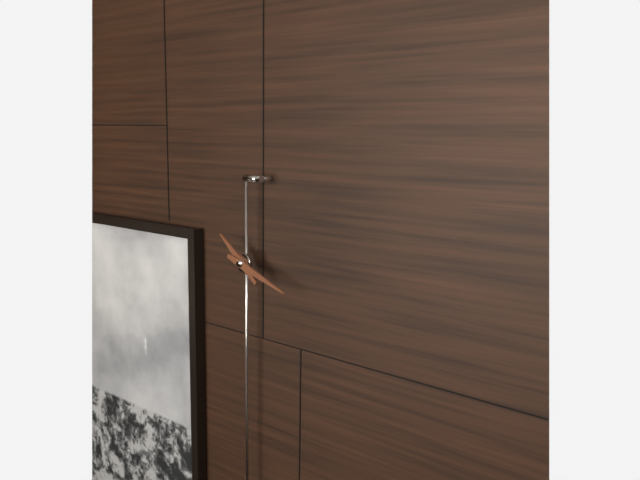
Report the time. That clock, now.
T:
10:18
